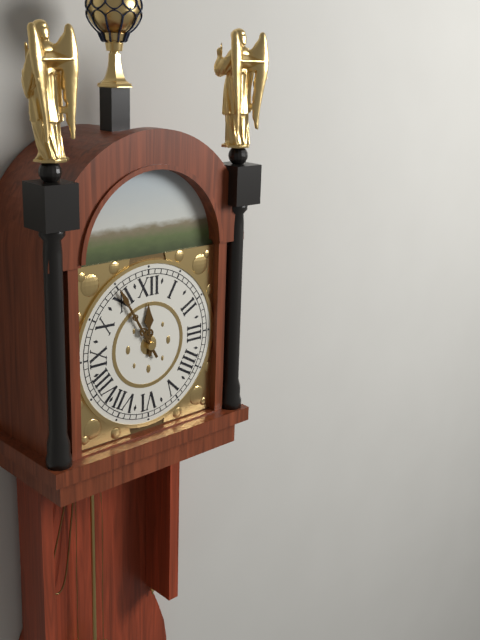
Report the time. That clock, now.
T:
11:55
